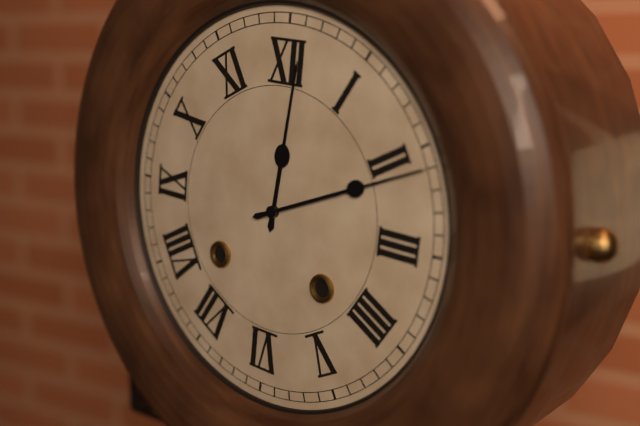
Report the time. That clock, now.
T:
12:11
